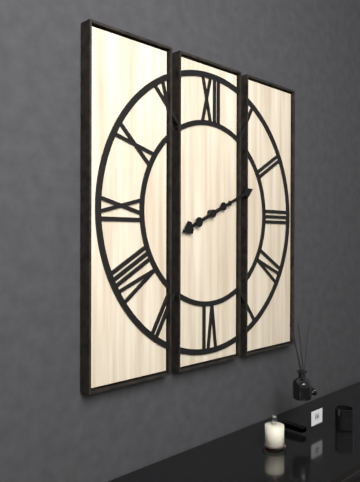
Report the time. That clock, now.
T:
8:11
